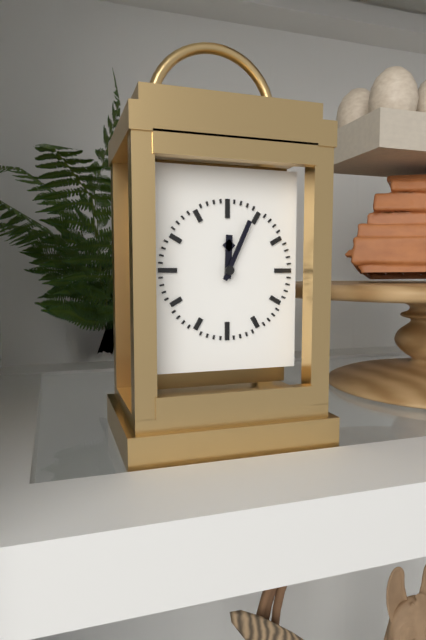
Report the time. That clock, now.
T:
12:04
